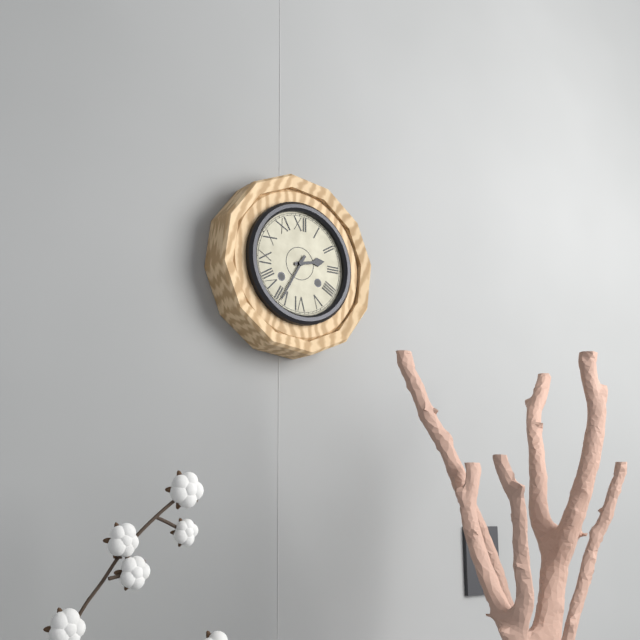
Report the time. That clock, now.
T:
2:35
